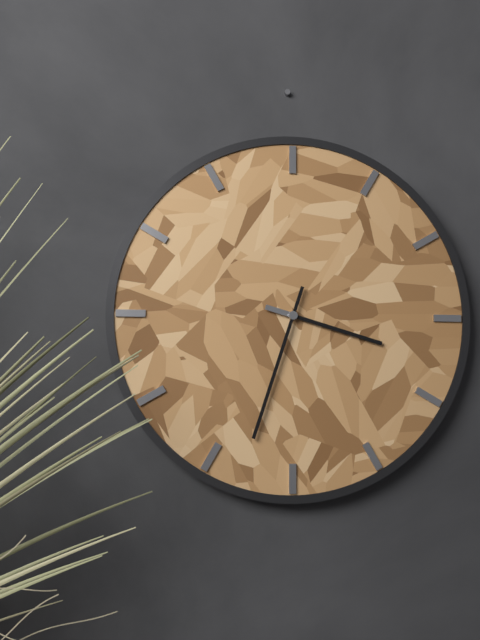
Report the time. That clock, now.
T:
3:33
